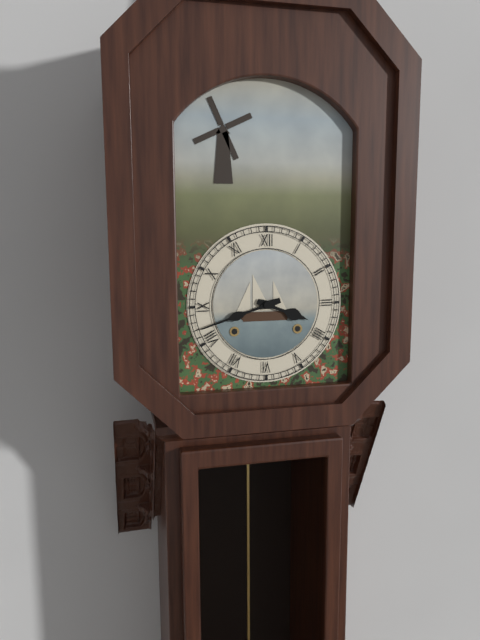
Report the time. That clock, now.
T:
3:42
